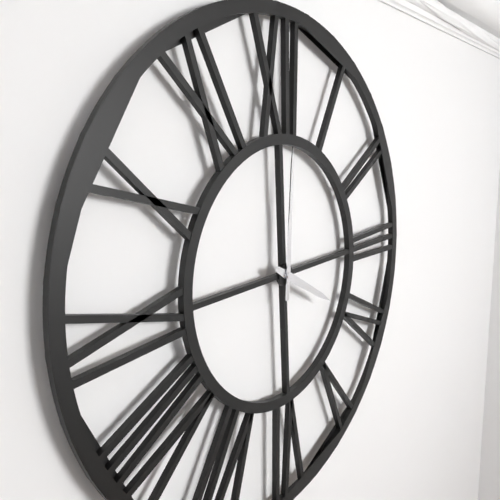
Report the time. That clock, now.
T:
4:01
